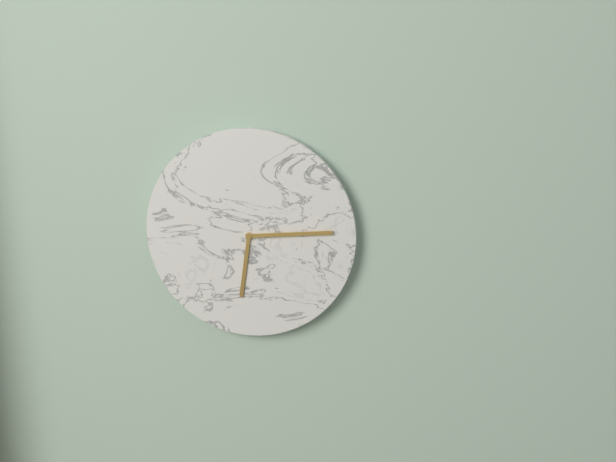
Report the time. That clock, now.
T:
6:14
